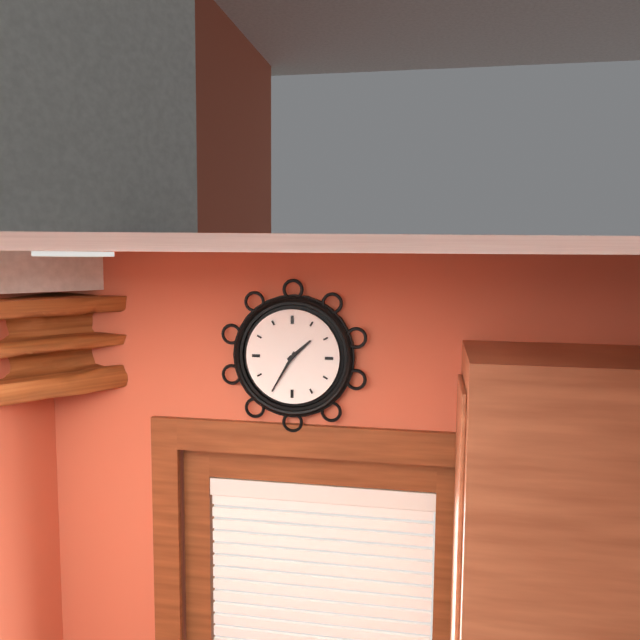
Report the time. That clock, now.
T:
1:35
